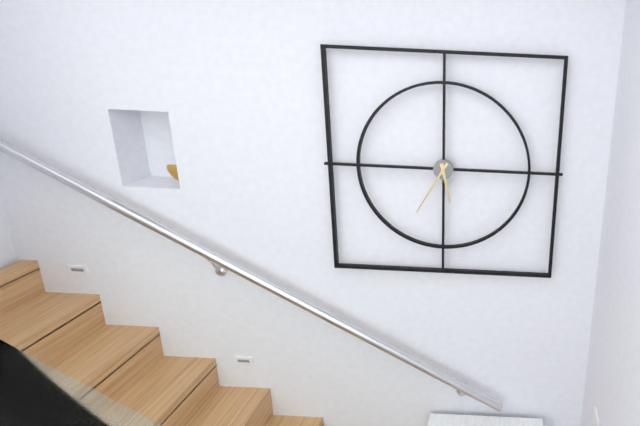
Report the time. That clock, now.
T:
5:35
